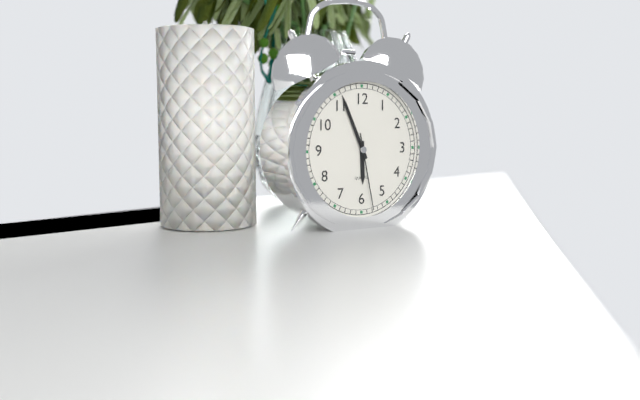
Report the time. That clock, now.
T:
5:56:28
